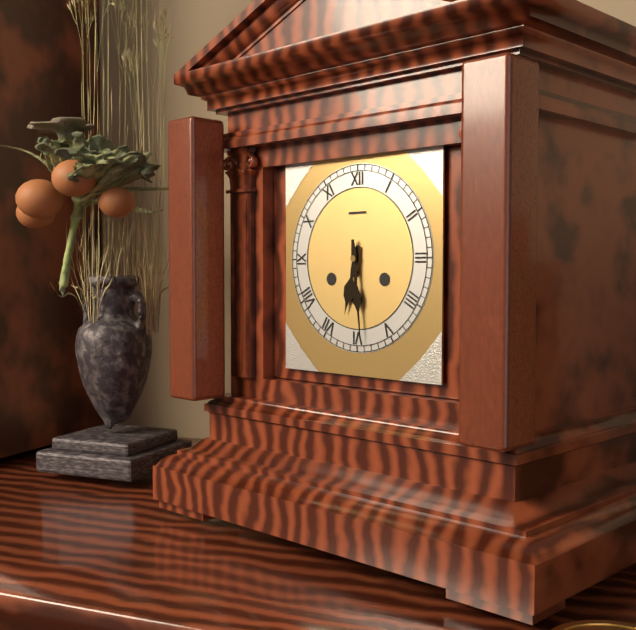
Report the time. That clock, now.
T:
6:29
